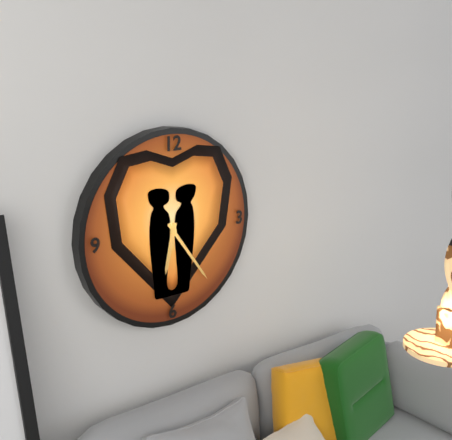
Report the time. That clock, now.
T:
6:24
